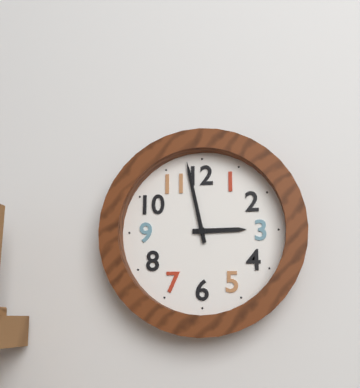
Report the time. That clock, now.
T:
2:58
